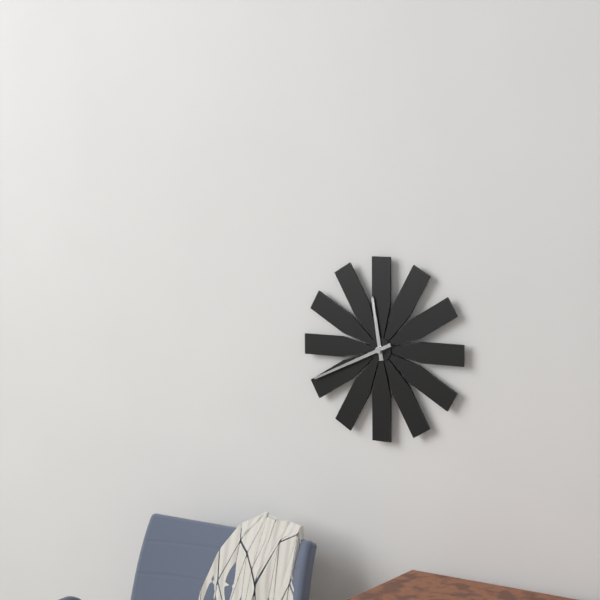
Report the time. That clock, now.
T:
11:41
